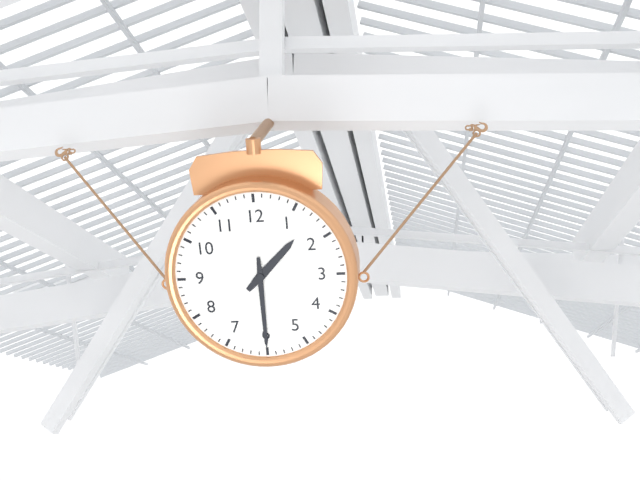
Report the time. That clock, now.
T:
1:30
